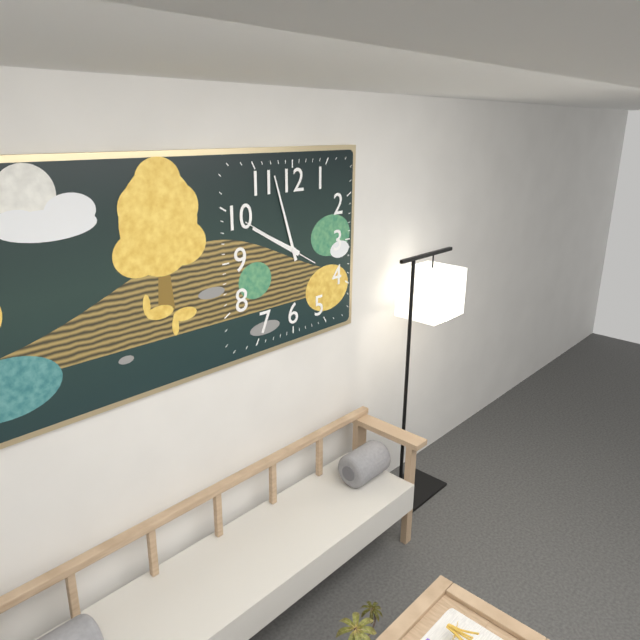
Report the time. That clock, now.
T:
9:57:50
